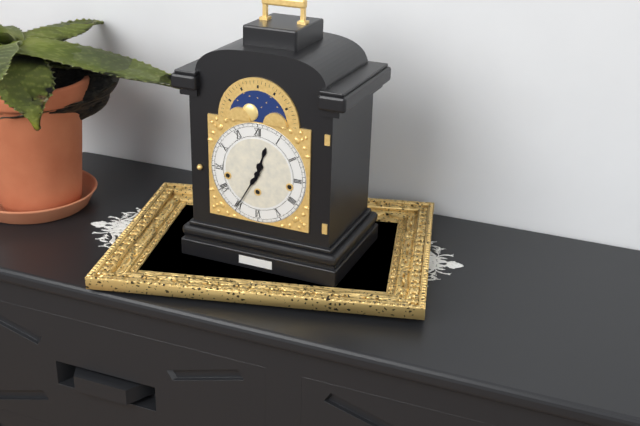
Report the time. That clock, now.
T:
12:35
